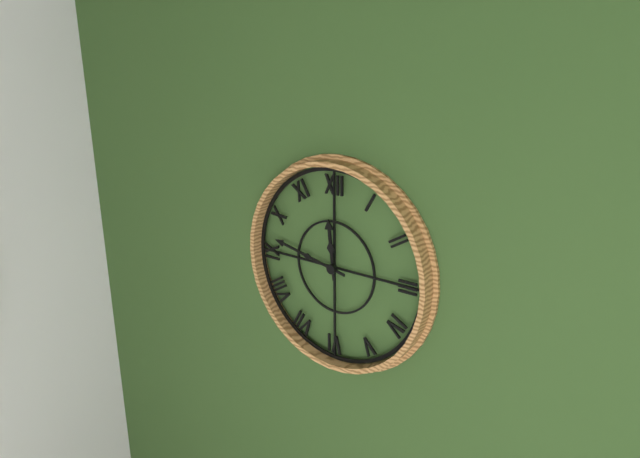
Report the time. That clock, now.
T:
11:47
